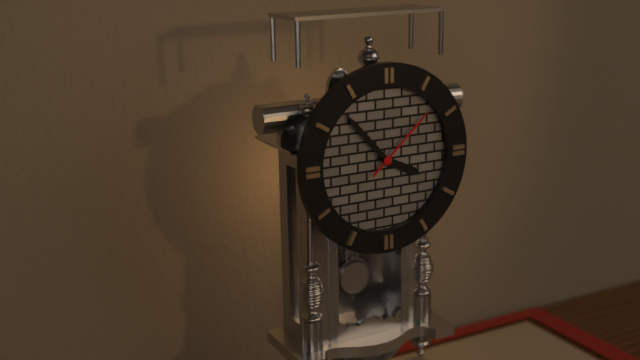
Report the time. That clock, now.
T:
3:53:08
